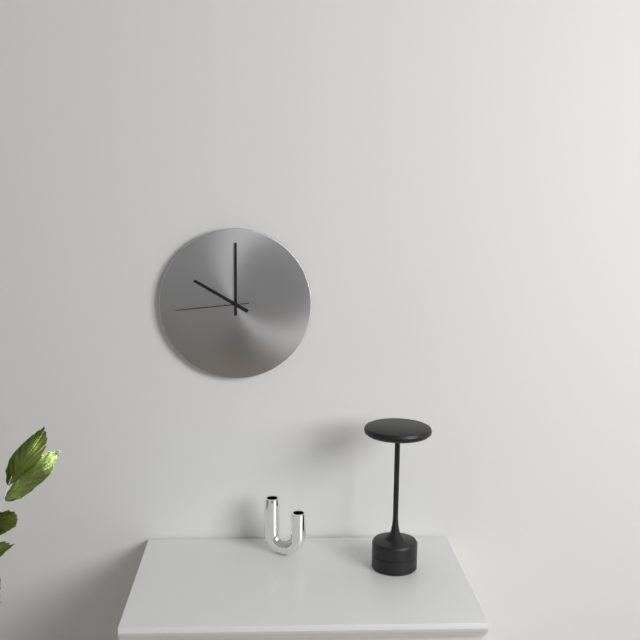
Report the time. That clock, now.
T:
10:00:44
